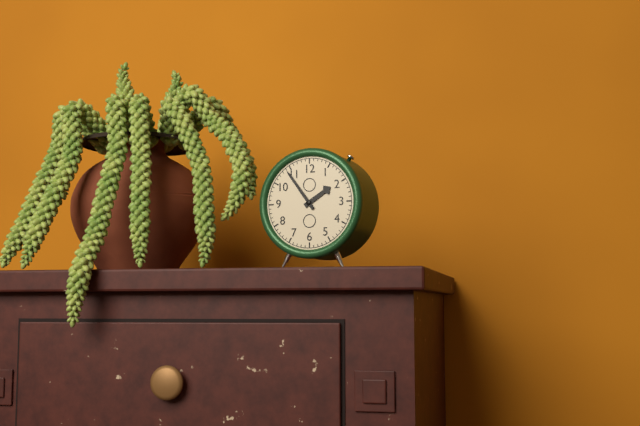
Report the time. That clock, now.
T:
1:54
